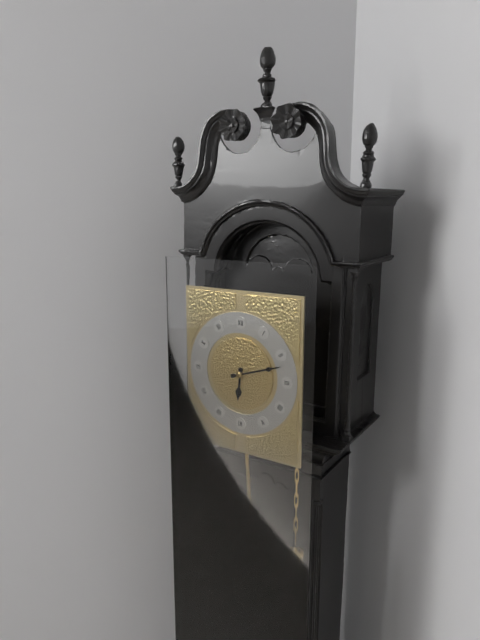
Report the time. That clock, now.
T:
6:12
